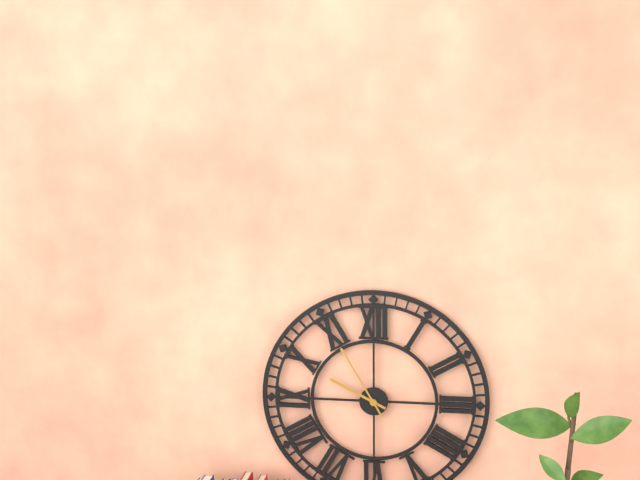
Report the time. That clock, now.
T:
9:55
